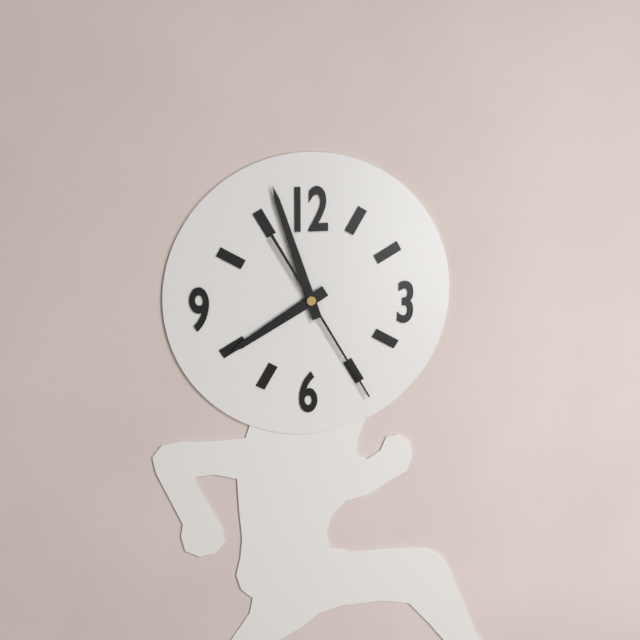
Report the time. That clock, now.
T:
7:57:25
